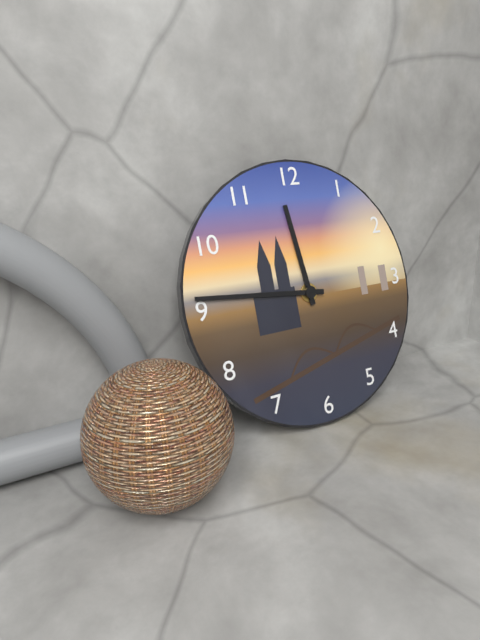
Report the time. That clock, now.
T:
11:46
